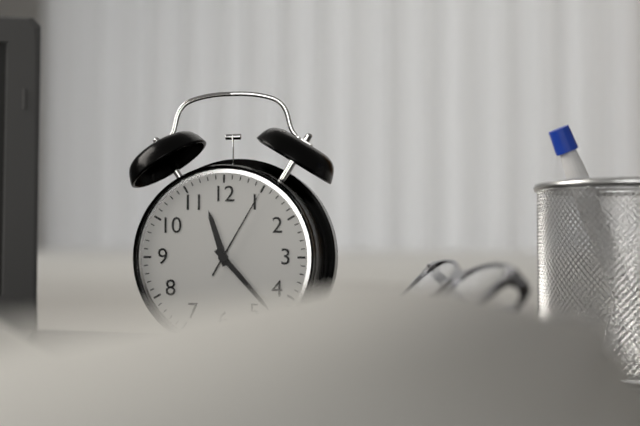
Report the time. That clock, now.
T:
11:23:05
